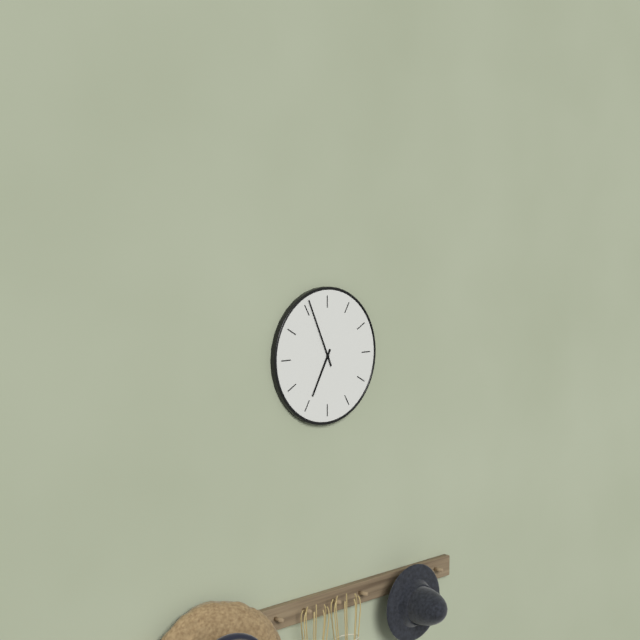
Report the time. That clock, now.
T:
6:56
